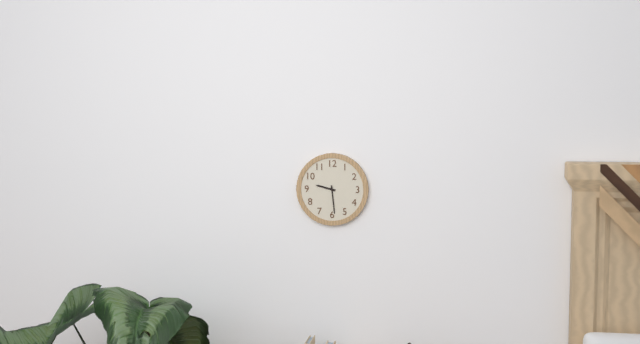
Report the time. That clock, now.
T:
9:29
